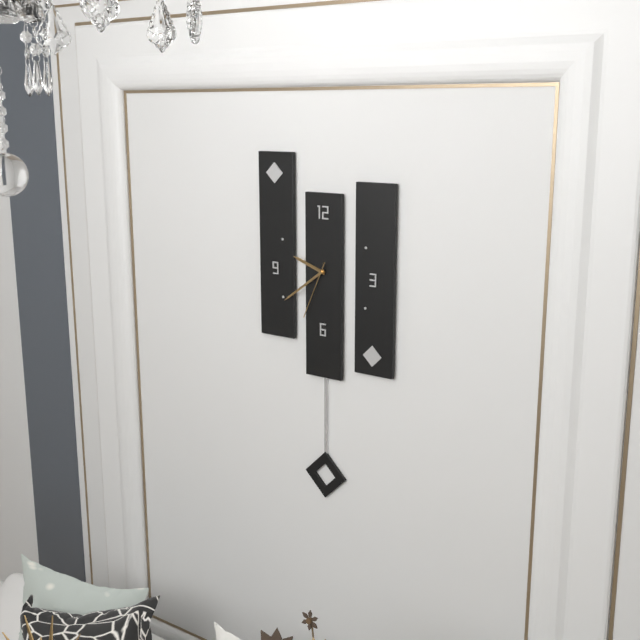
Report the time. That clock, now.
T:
9:39:34
